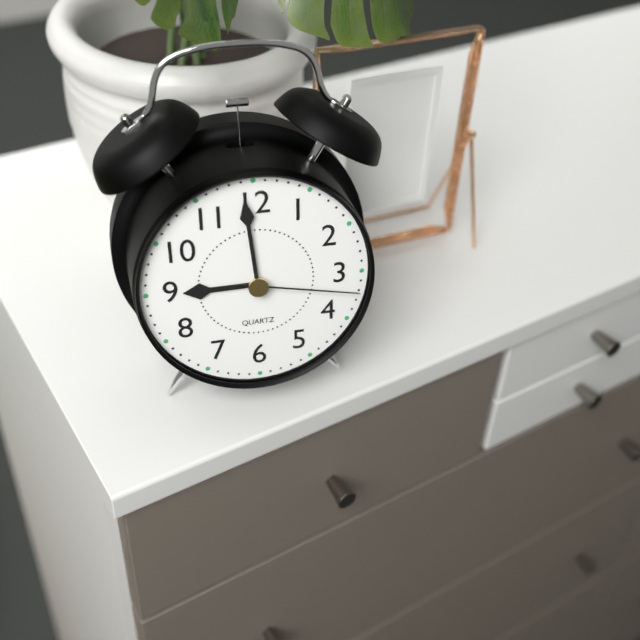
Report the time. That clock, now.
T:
8:59:17
